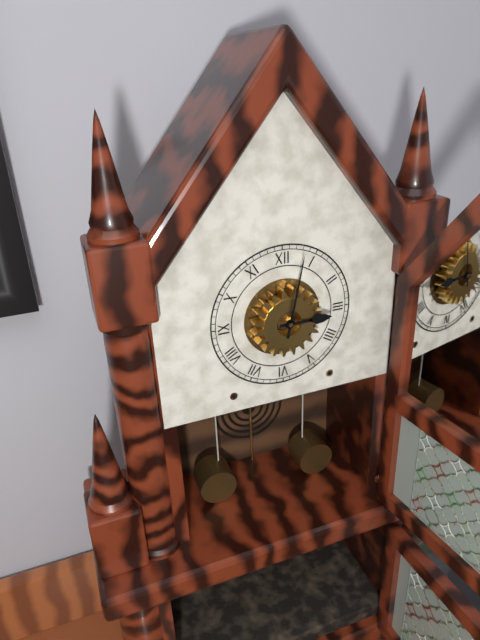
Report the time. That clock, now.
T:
3:02
